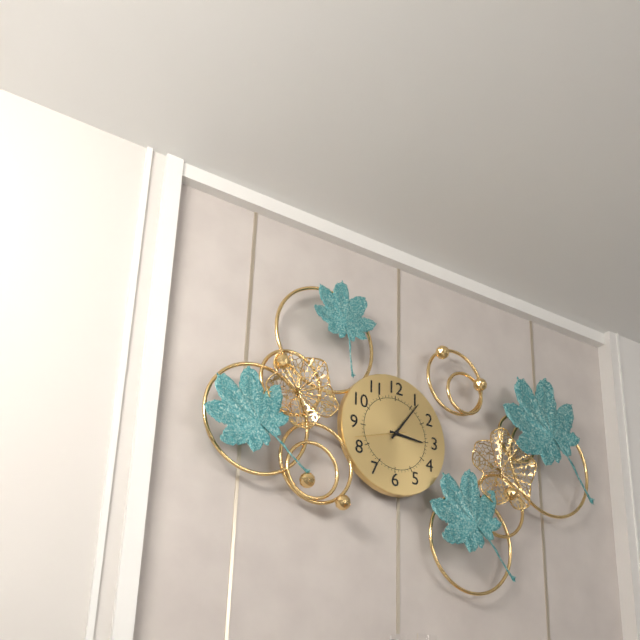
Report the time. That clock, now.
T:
3:06:42
